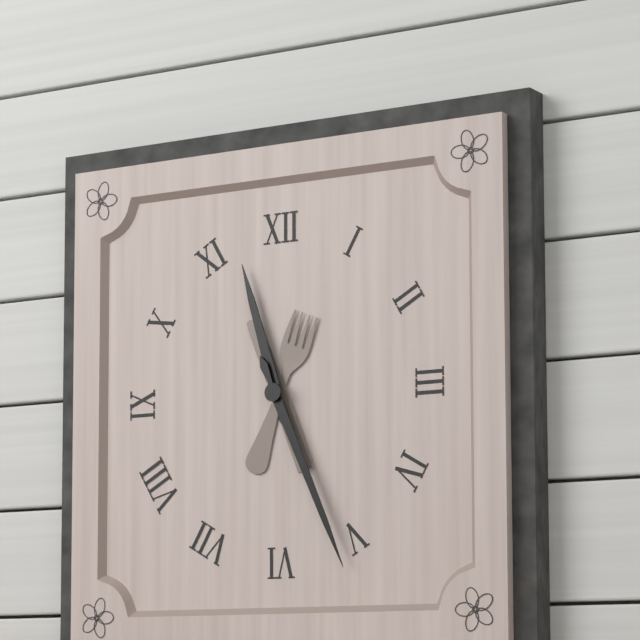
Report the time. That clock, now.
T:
11:26
